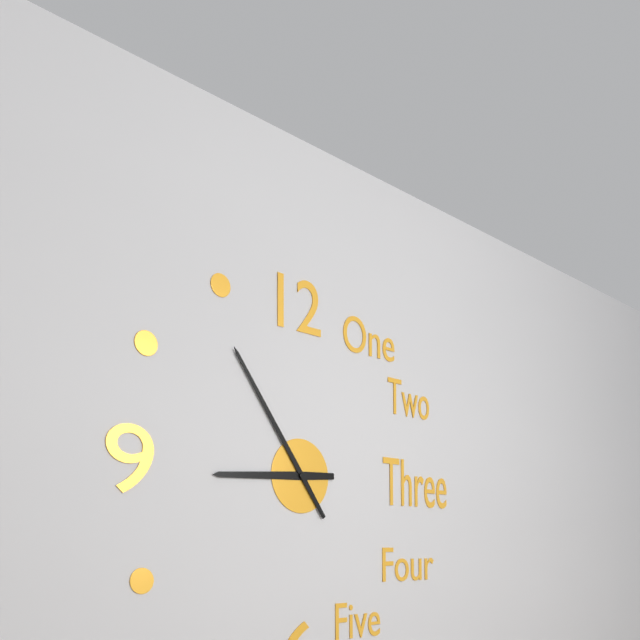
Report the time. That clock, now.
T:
8:54
